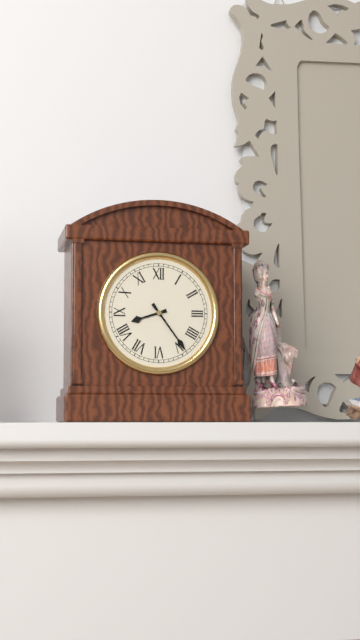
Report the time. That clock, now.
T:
8:24
